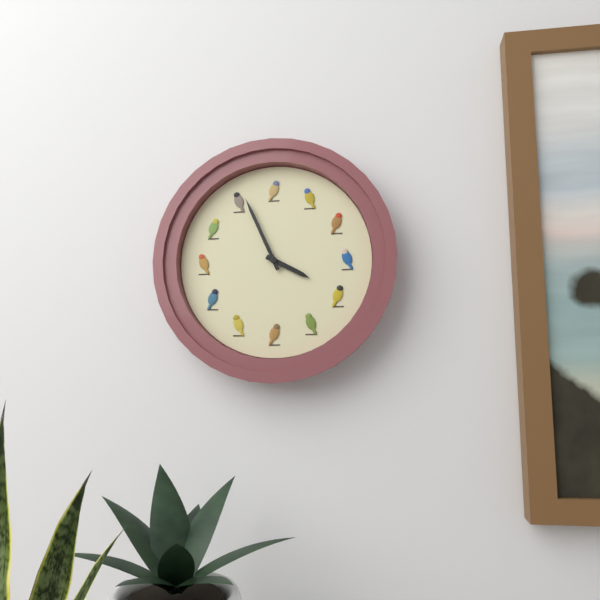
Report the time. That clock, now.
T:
3:56
